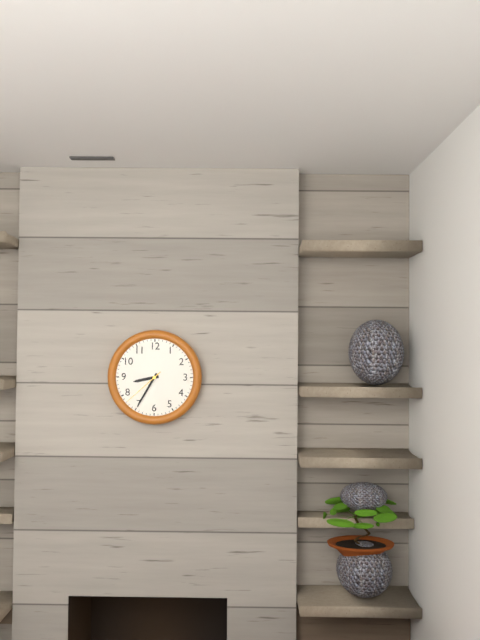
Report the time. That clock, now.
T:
8:35
